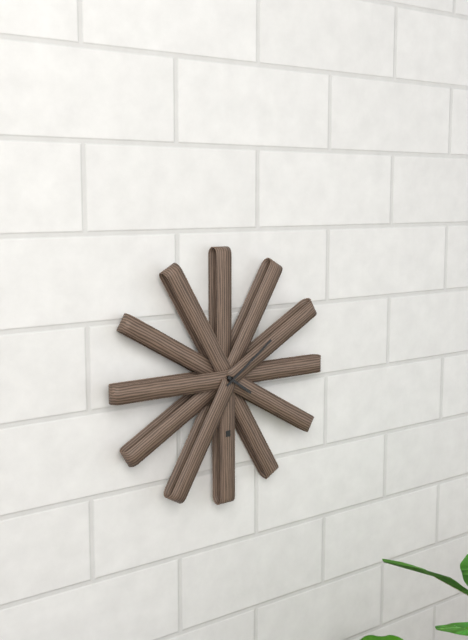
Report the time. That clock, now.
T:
4:09
